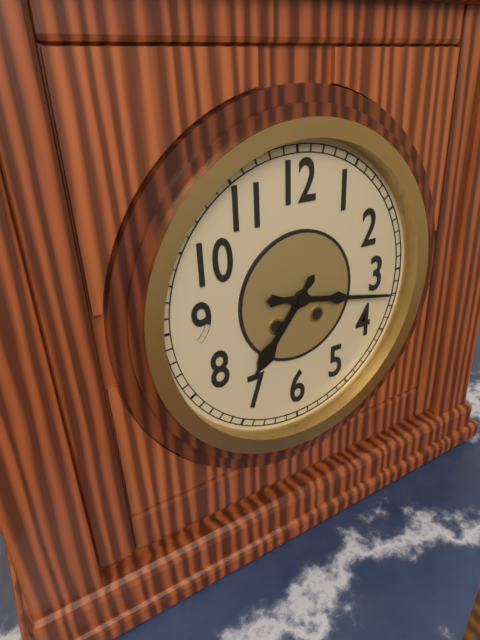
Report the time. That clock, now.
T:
7:17
